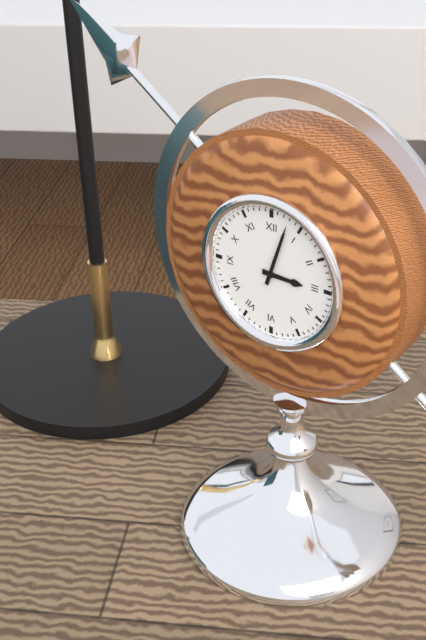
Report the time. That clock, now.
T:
3:03
